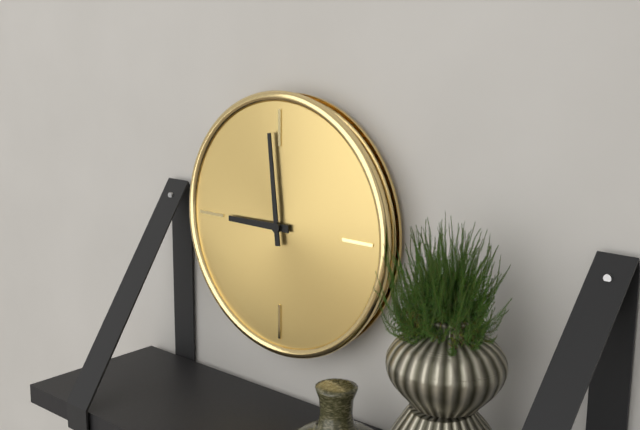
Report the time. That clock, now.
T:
8:59
